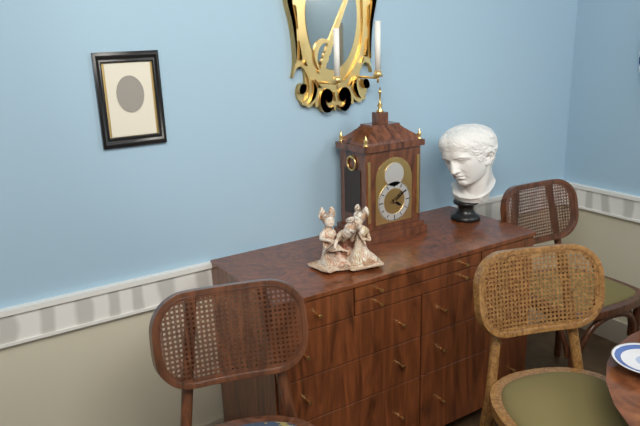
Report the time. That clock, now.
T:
4:09
